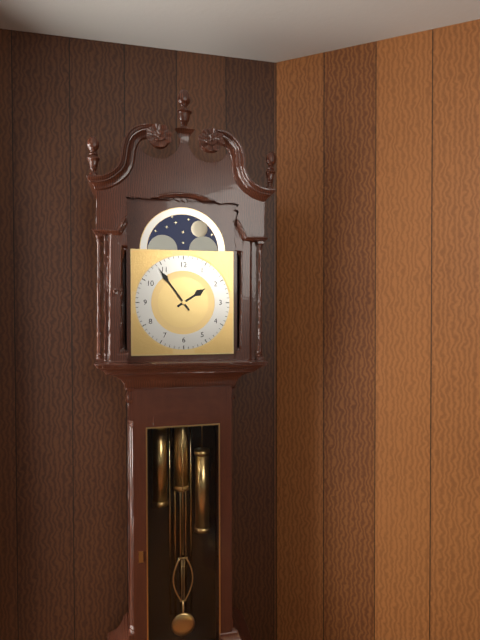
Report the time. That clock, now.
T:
1:54
